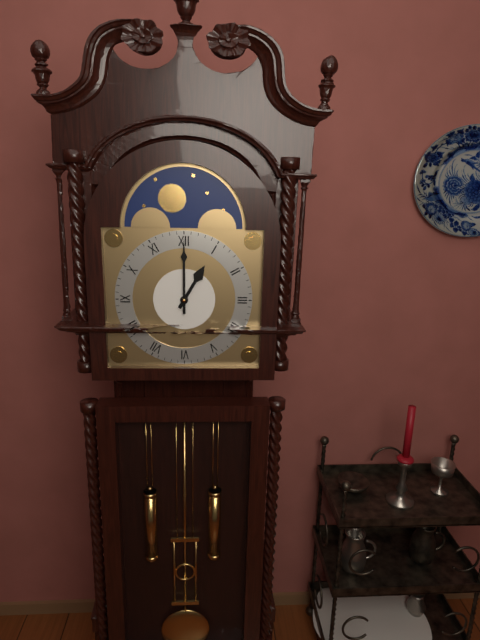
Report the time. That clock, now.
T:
1:00
